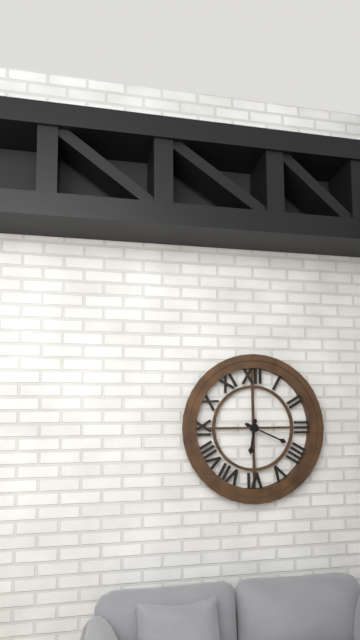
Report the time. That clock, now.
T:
6:19
